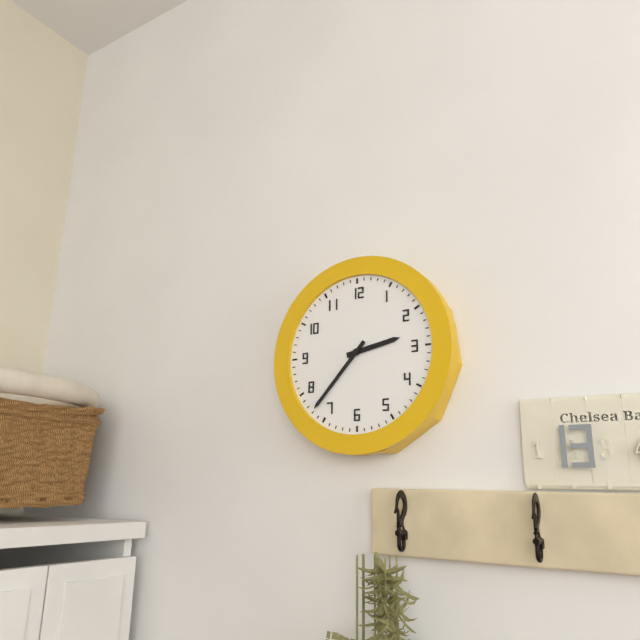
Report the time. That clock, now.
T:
2:37
